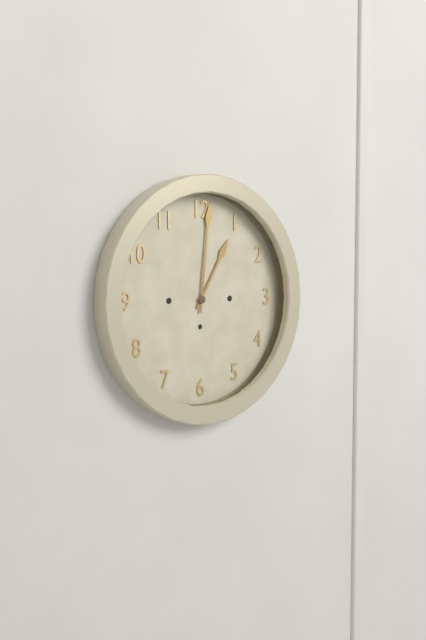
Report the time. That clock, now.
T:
1:01
